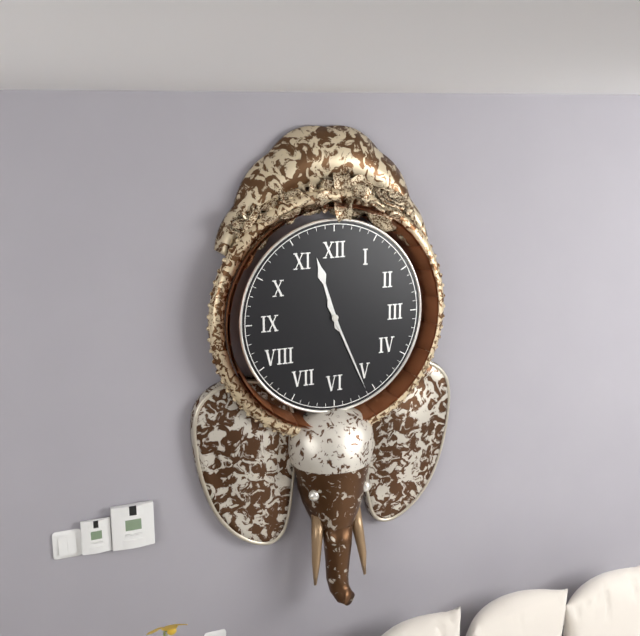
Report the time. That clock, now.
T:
11:26
